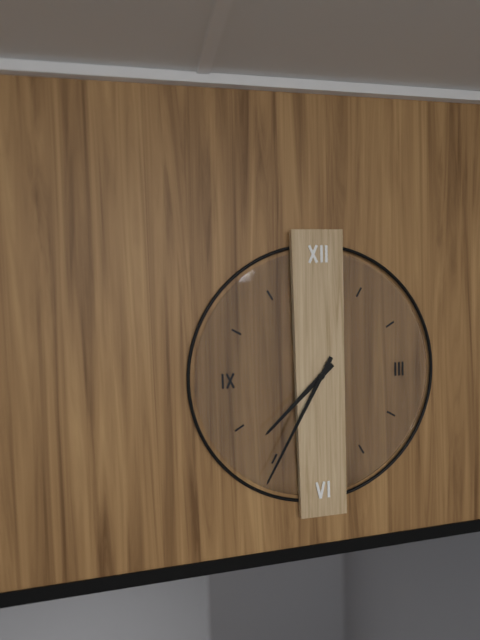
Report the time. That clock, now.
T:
7:35
